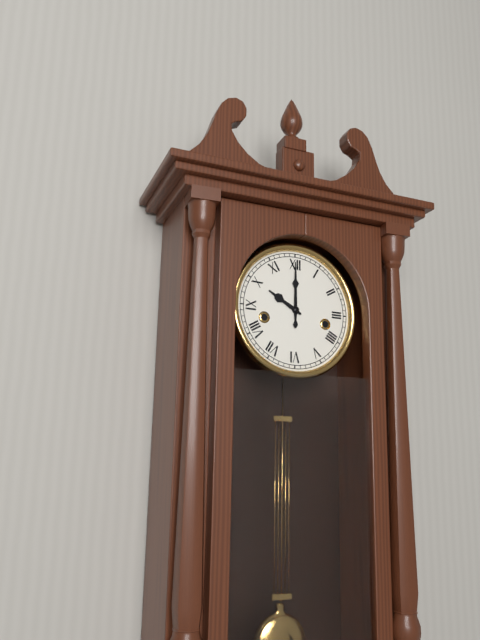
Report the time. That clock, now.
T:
10:00
